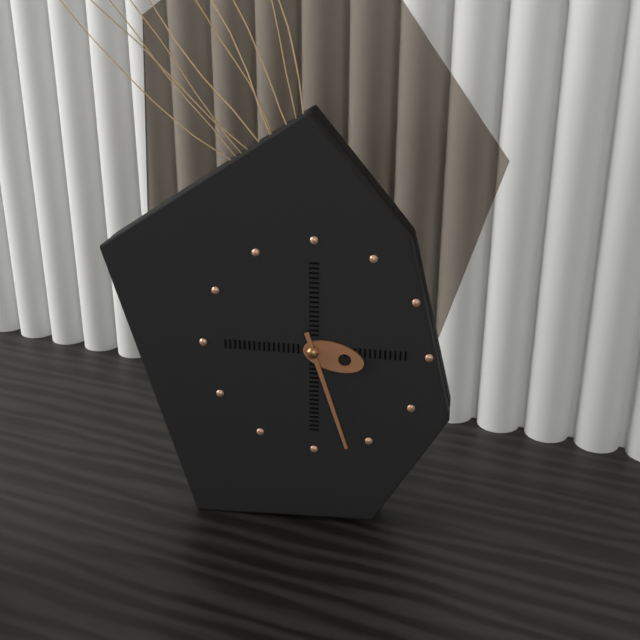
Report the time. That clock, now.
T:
3:27
